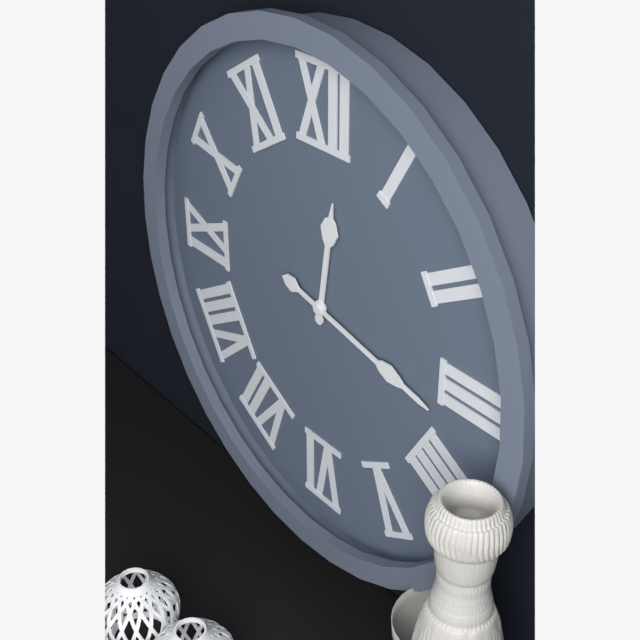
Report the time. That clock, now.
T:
12:17
